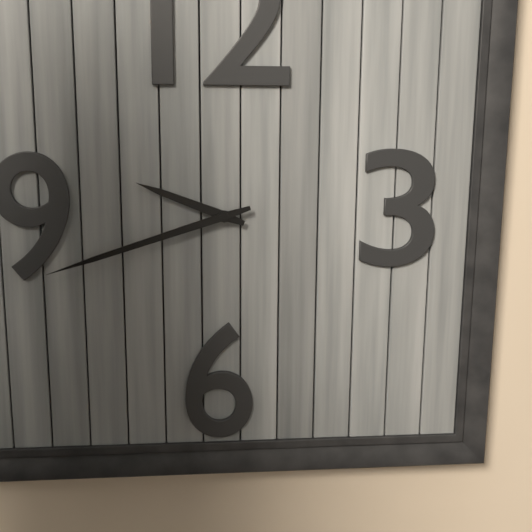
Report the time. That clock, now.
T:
9:42
